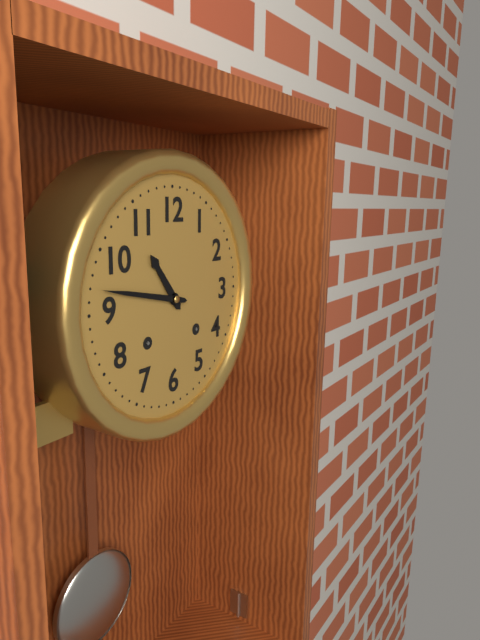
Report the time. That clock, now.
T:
10:47
